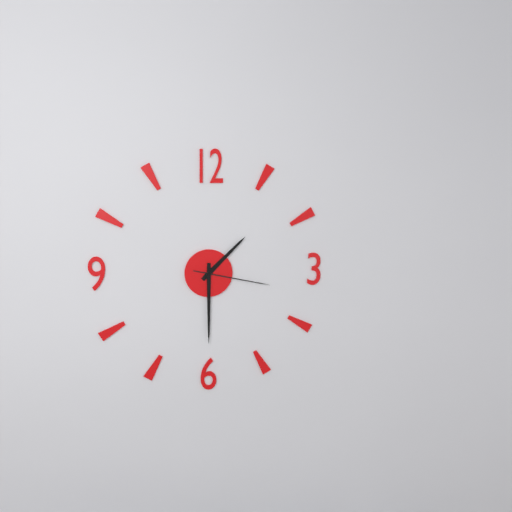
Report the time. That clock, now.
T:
1:30:17
